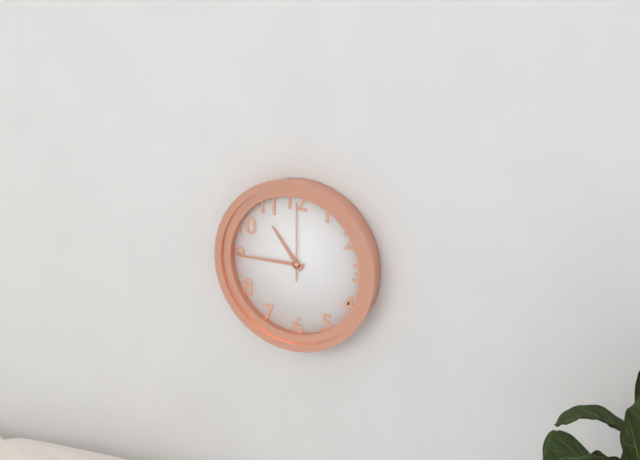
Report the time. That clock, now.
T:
10:45:00
